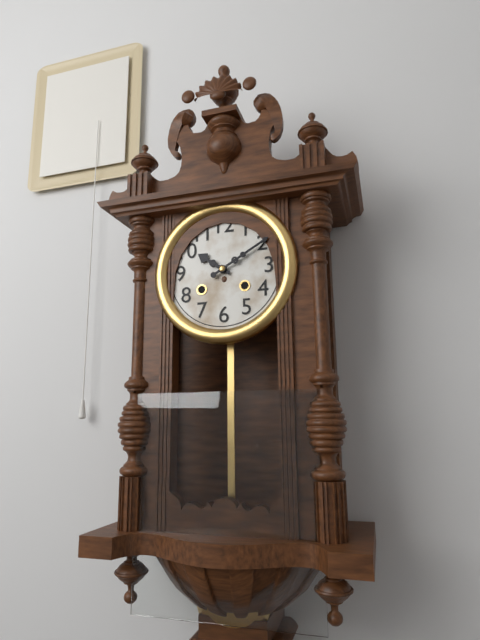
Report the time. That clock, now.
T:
10:10
